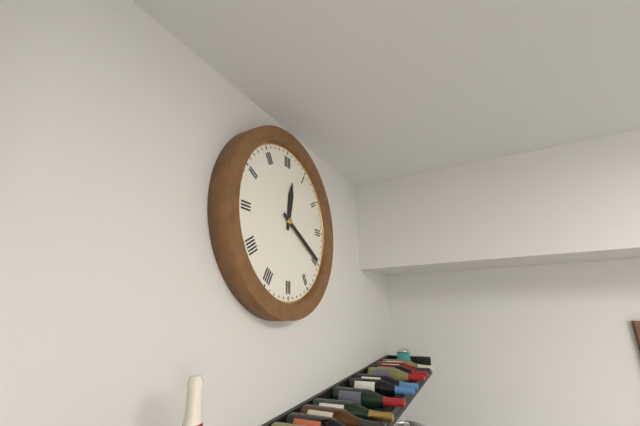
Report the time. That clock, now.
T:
12:20
